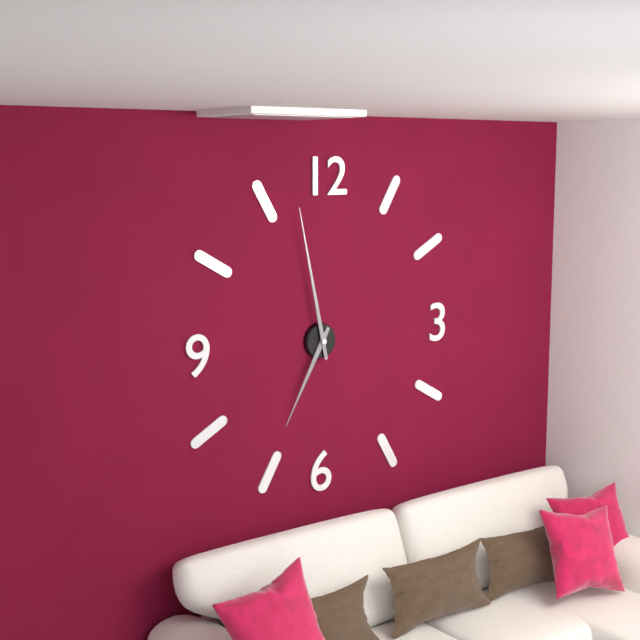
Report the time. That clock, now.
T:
6:58
